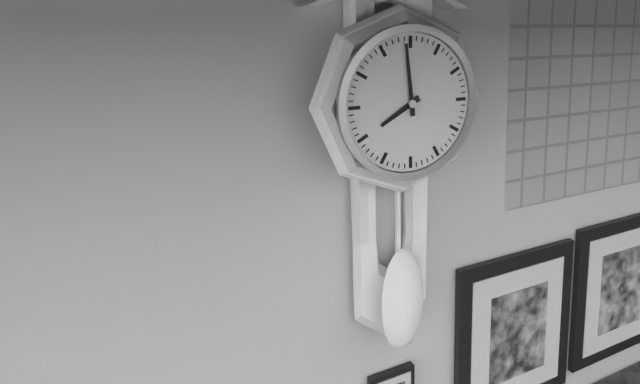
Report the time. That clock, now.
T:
7:59
